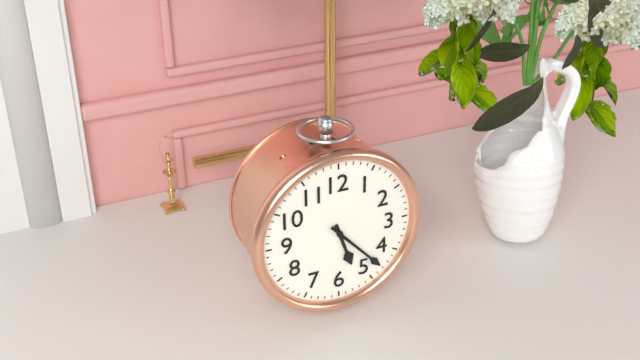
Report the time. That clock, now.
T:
5:23
